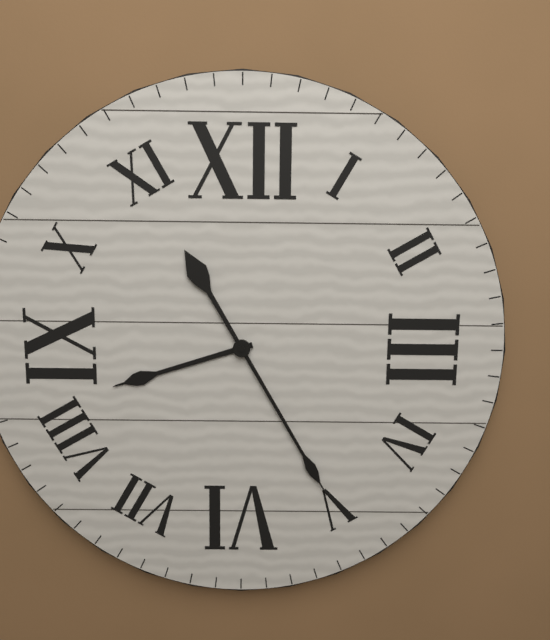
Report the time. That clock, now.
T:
8:25
